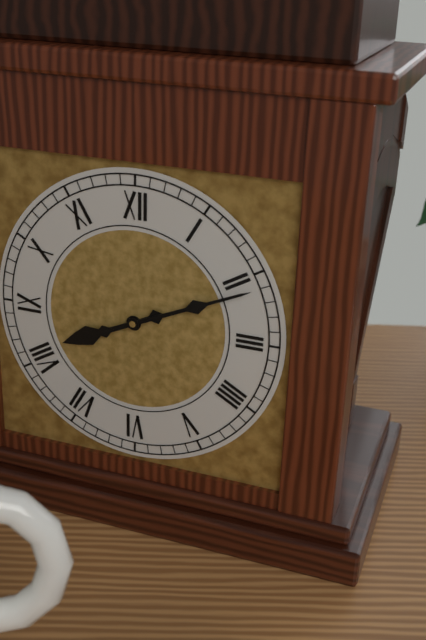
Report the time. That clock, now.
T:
8:11
